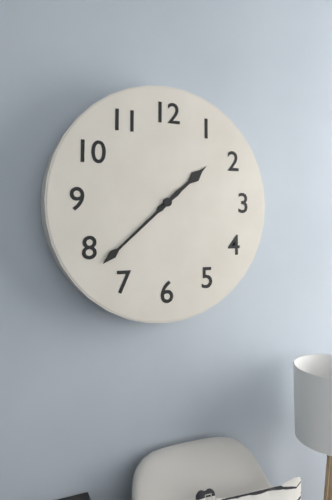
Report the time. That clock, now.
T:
1:38
